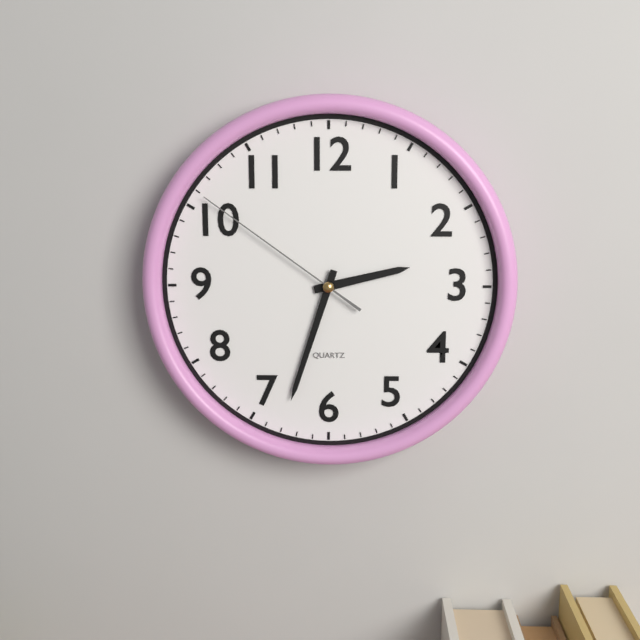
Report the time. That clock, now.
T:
2:33:51
